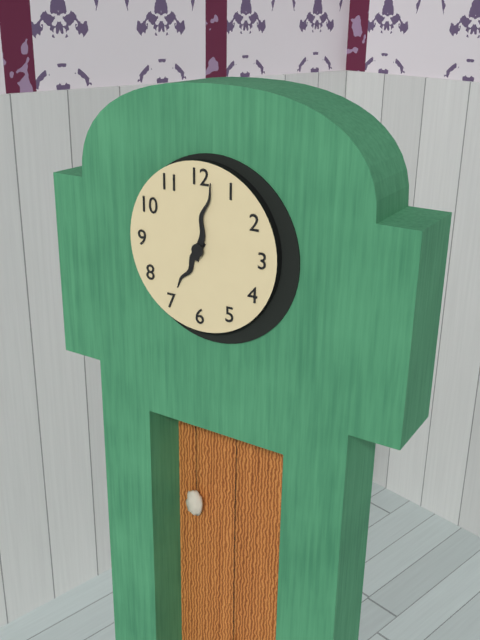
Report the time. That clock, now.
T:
7:02
